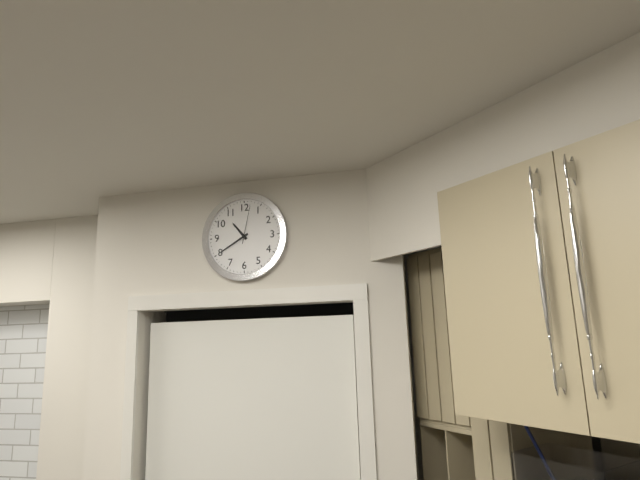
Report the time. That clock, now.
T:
10:40
